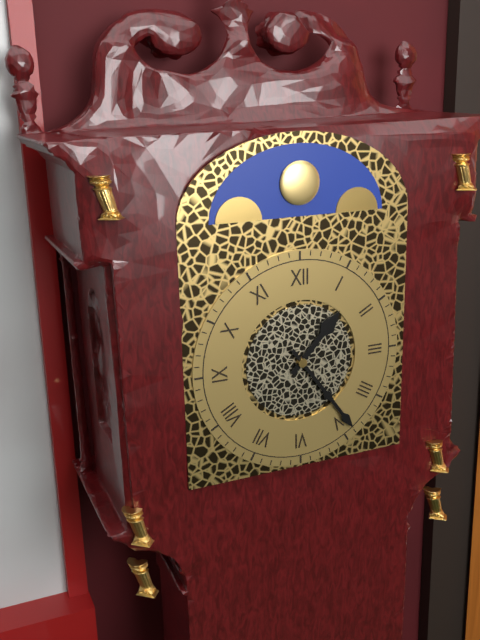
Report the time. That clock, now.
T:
1:24
